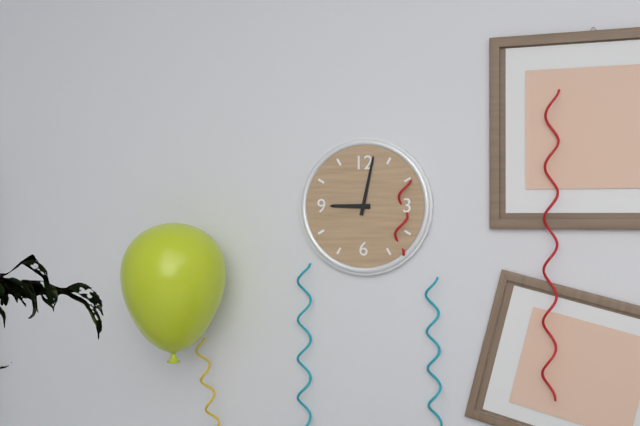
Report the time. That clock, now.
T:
9:02
